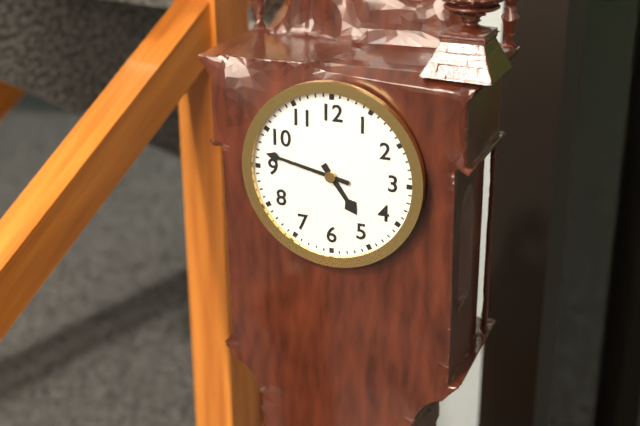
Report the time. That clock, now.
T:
4:47
